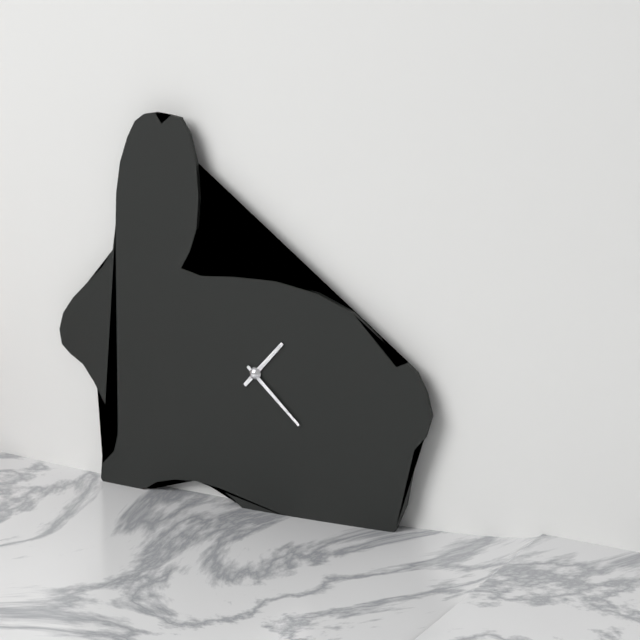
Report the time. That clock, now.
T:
1:22
